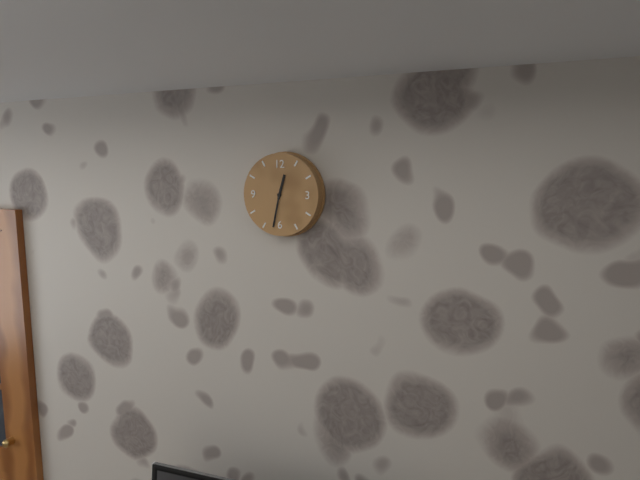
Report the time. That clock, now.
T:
12:32
